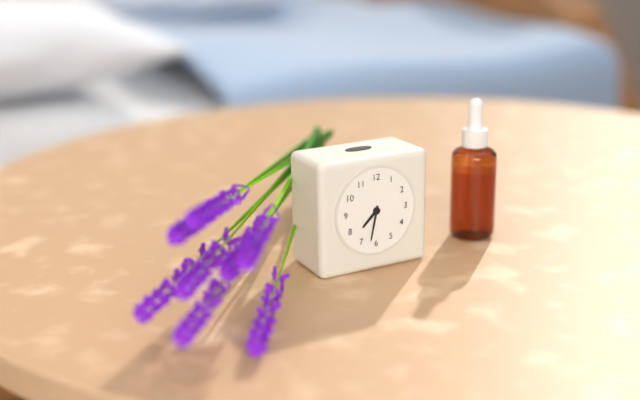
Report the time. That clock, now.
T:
7:32
